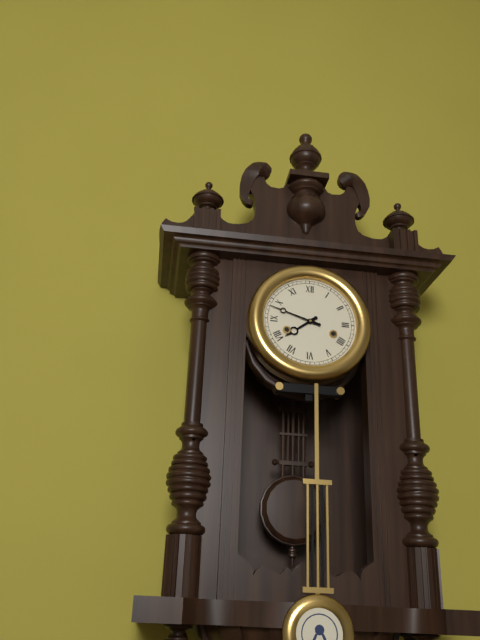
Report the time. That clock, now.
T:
7:48
